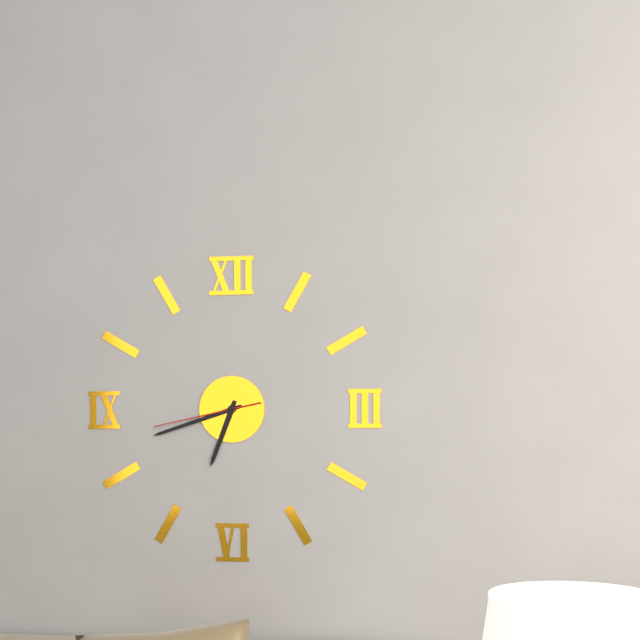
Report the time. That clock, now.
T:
6:42:43
